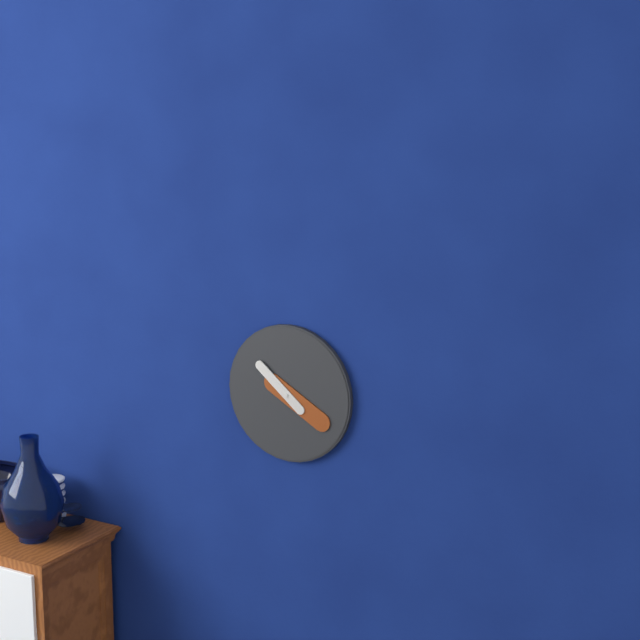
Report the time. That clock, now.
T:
10:20
